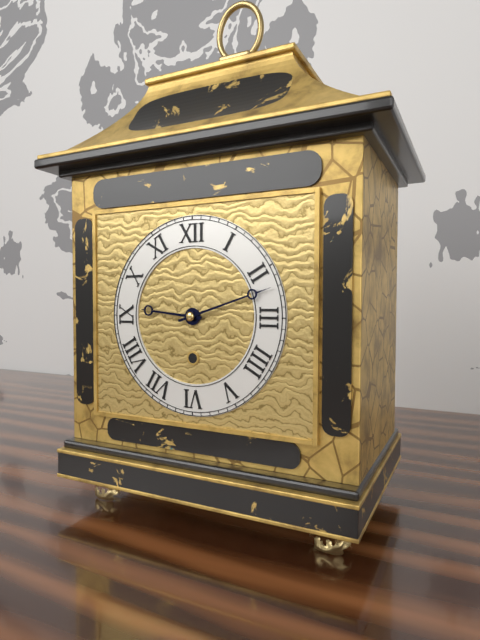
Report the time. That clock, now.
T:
9:12
